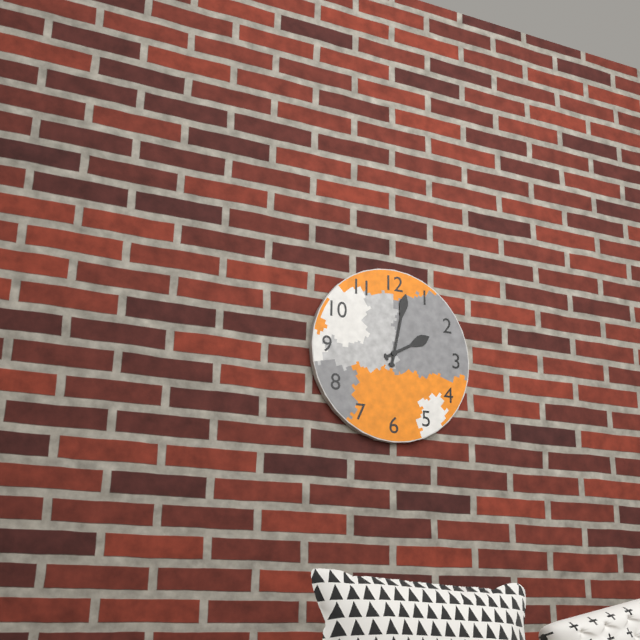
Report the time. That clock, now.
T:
2:02
